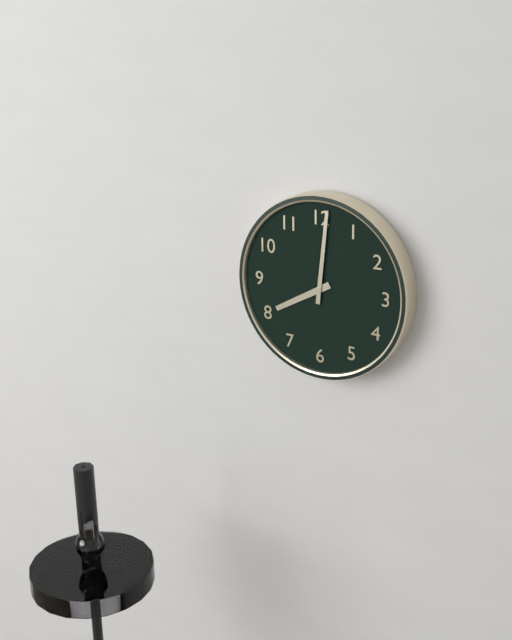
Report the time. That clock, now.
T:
8:01
